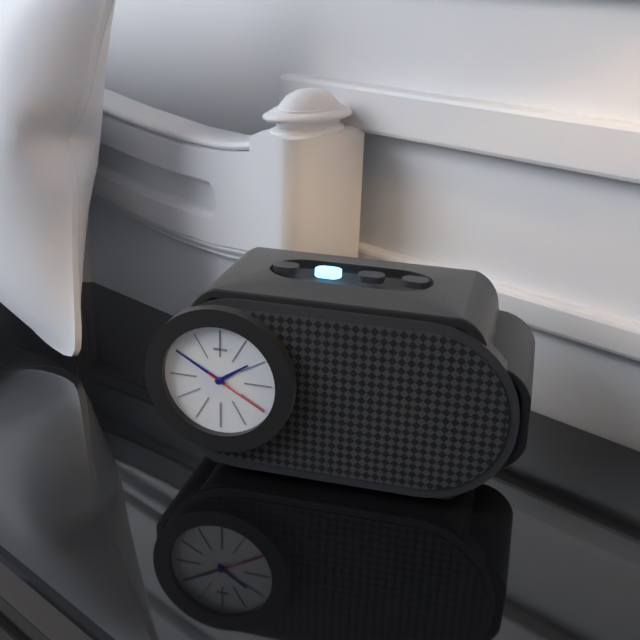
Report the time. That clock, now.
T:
1:50:20
